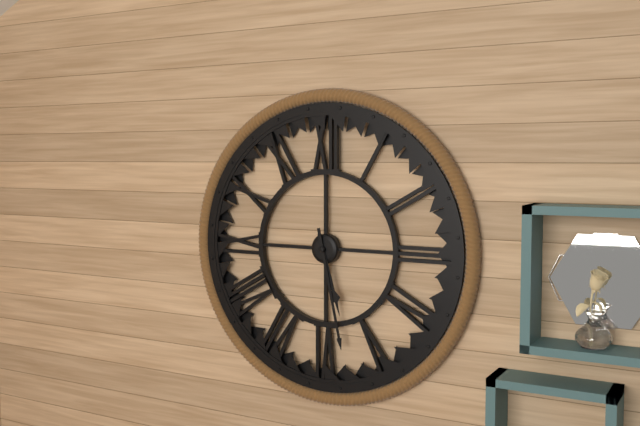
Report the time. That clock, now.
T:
5:28
